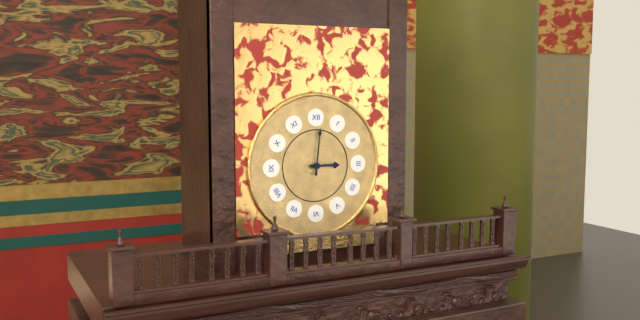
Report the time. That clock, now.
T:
3:01
